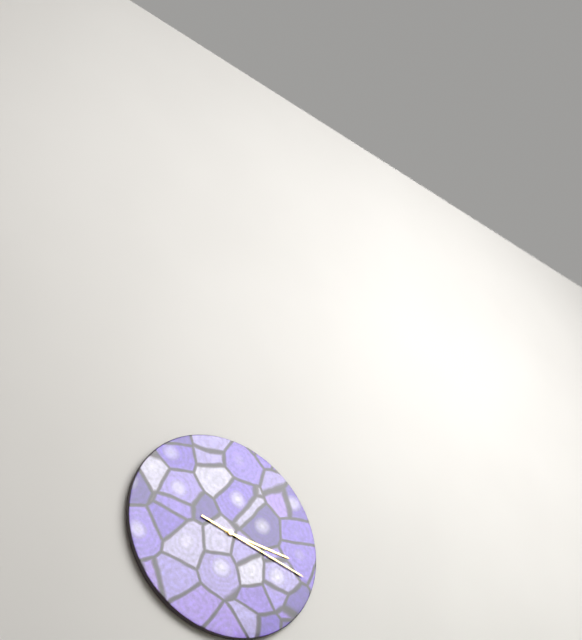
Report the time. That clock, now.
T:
3:18
